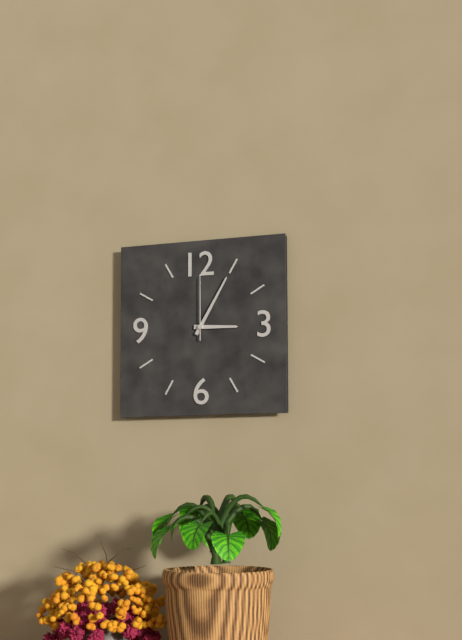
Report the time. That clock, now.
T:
3:05:00
